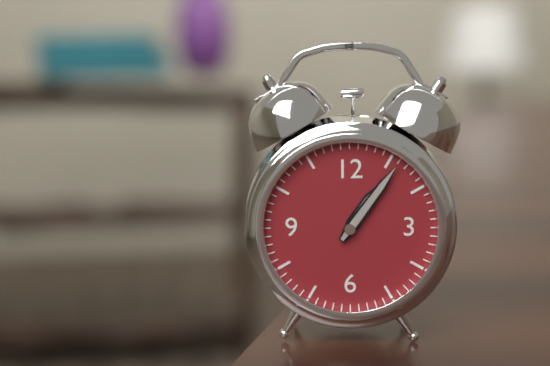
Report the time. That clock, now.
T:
1:06
